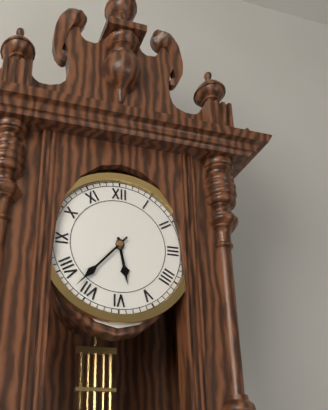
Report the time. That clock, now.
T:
5:37
